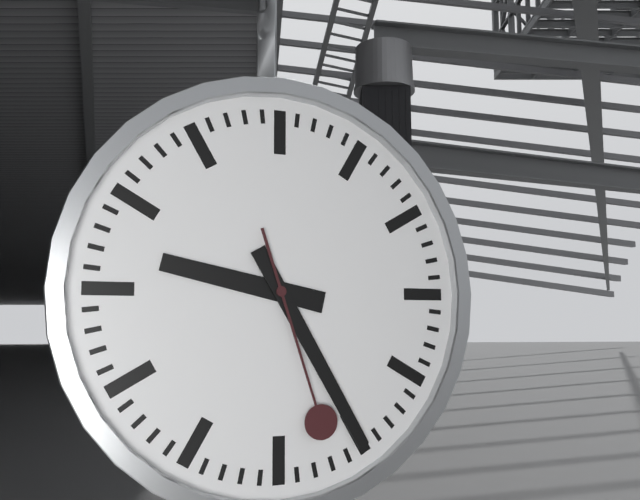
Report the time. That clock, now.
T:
9:25:27
